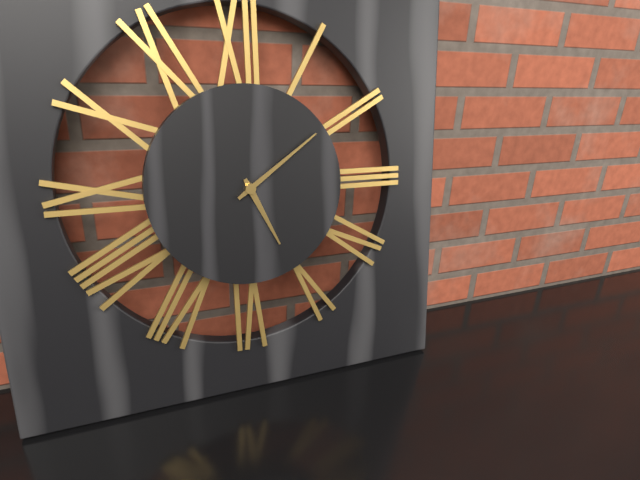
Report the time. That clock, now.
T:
5:09
